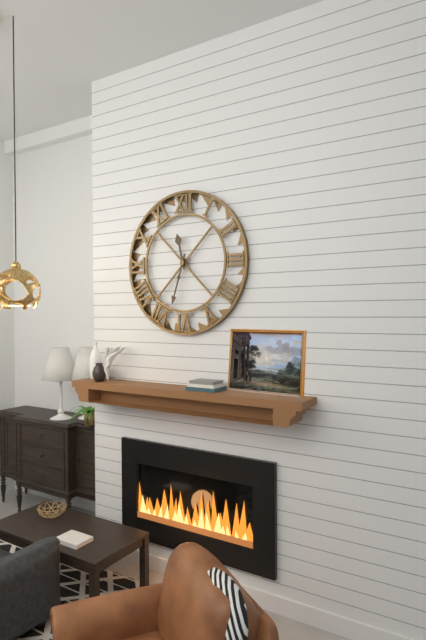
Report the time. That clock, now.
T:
11:33
